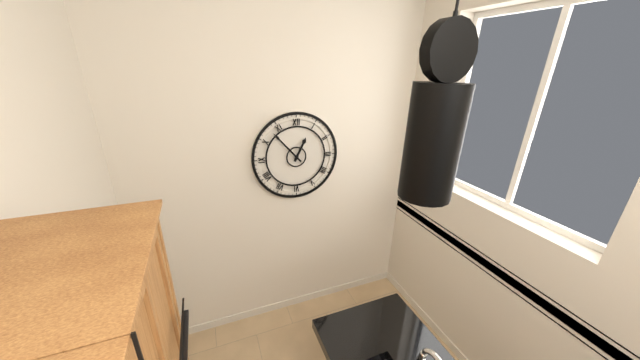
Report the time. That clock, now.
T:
12:53
